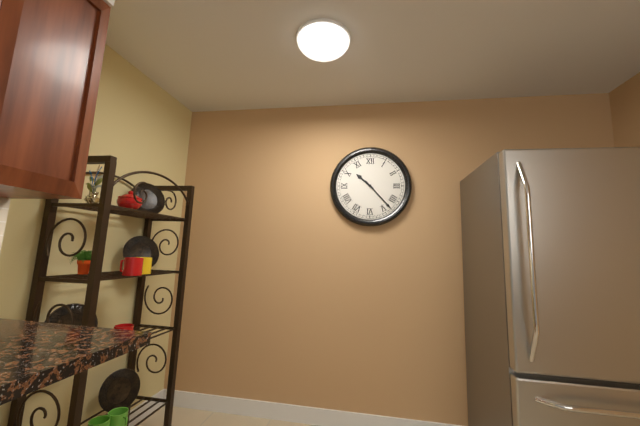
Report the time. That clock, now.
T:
10:23
